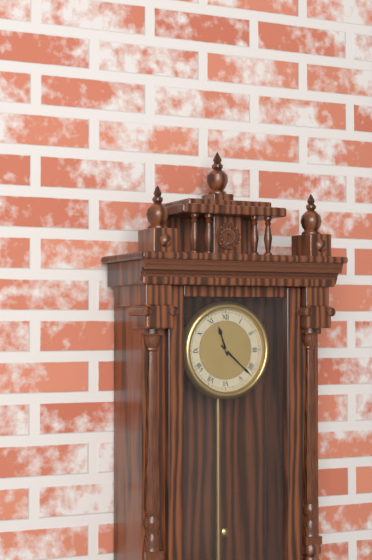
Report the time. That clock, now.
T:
11:22
